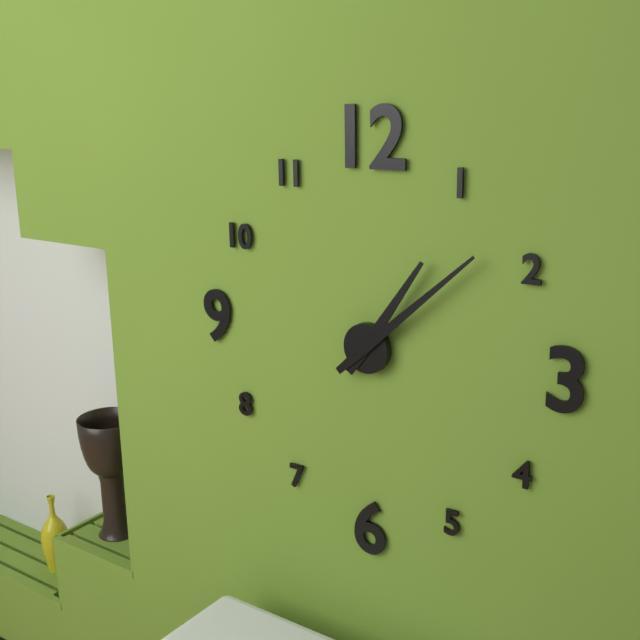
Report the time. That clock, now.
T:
1:08
